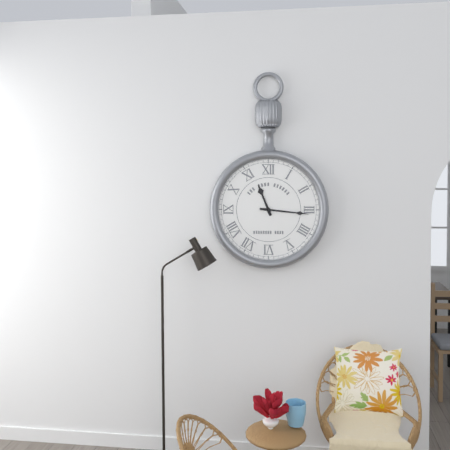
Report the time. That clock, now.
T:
11:16
